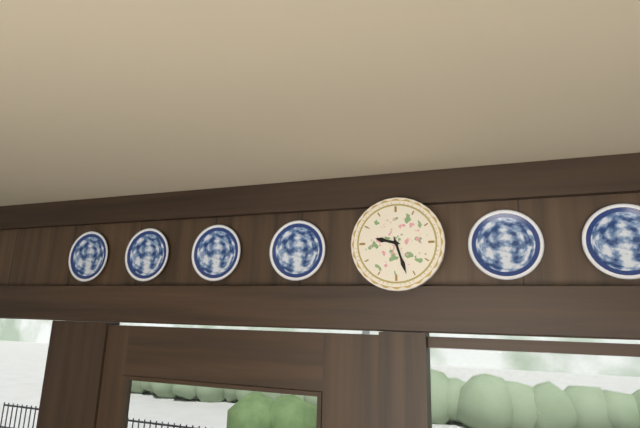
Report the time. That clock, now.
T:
9:27
